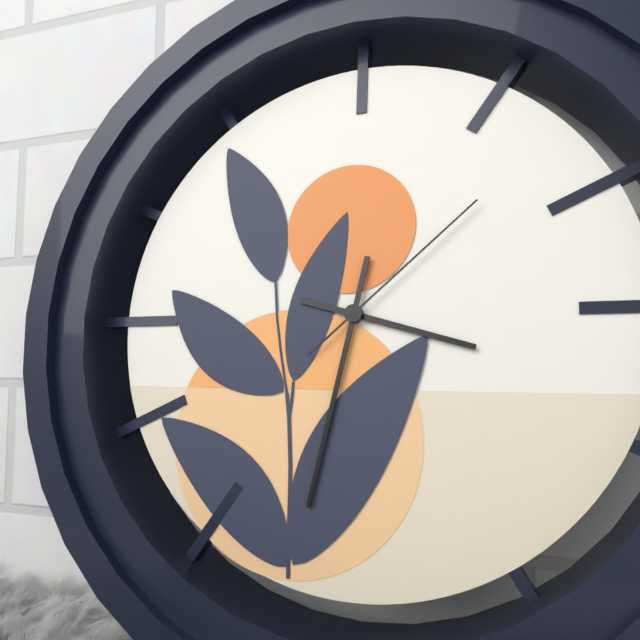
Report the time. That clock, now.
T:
3:32:08
